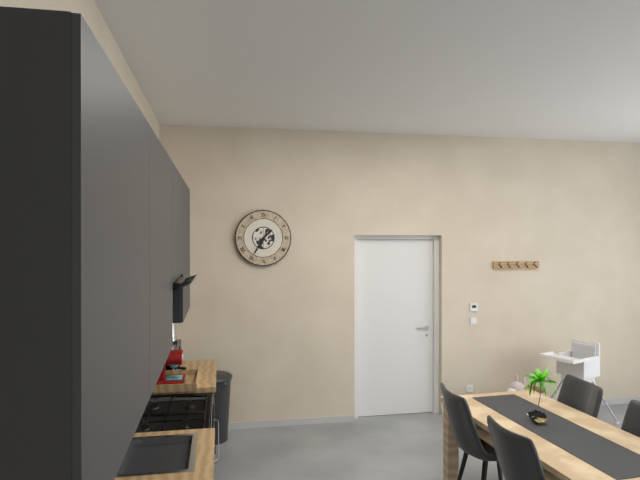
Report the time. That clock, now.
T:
1:35
